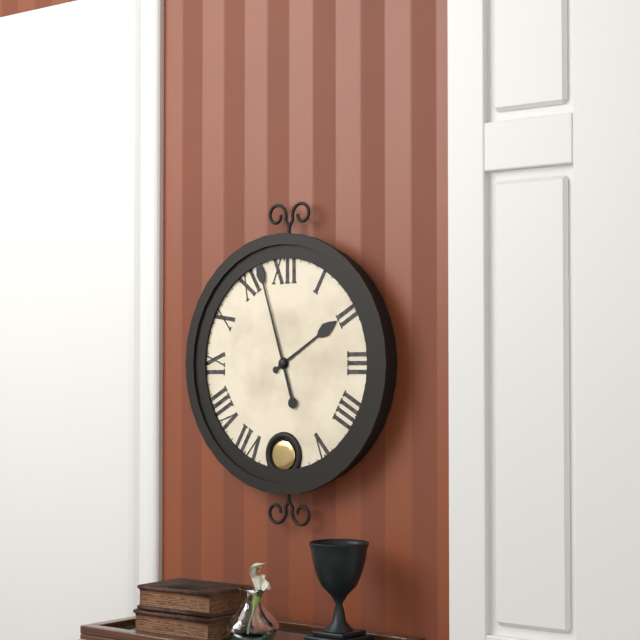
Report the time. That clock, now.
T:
1:57
